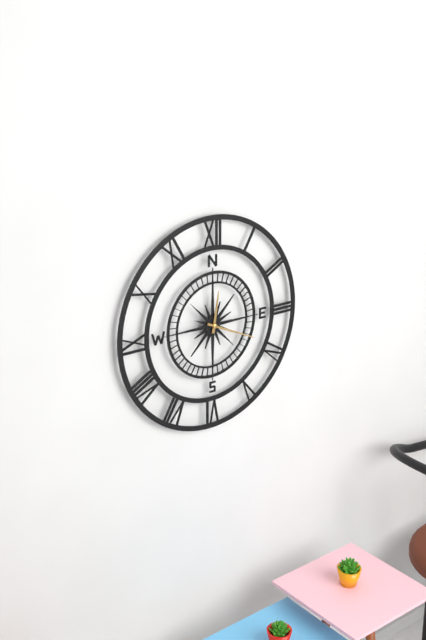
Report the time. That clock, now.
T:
12:19
